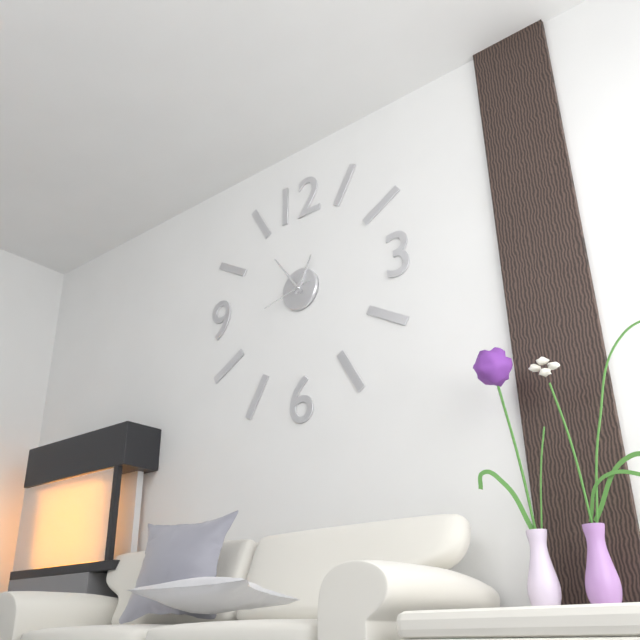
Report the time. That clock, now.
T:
12:54
